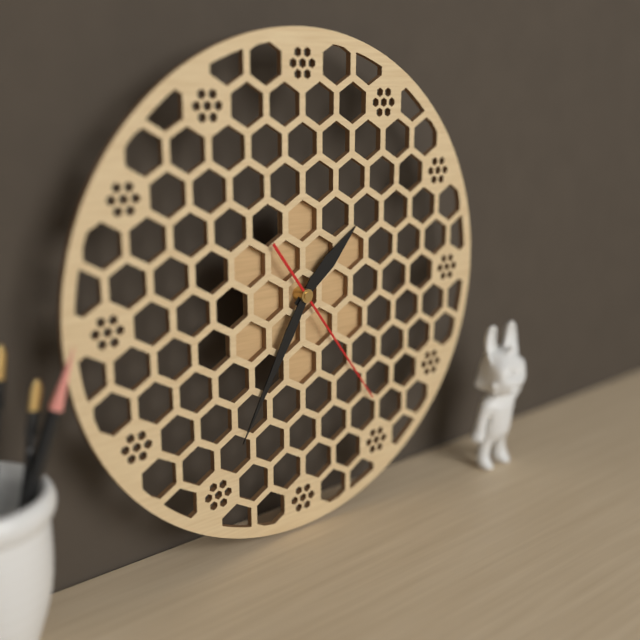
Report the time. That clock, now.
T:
1:35:24
